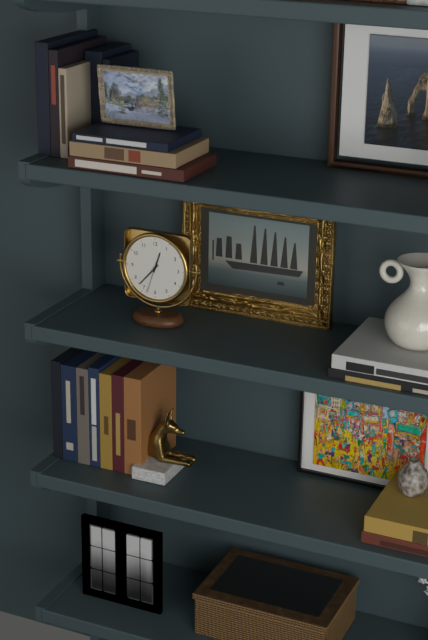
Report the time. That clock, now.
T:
12:37
